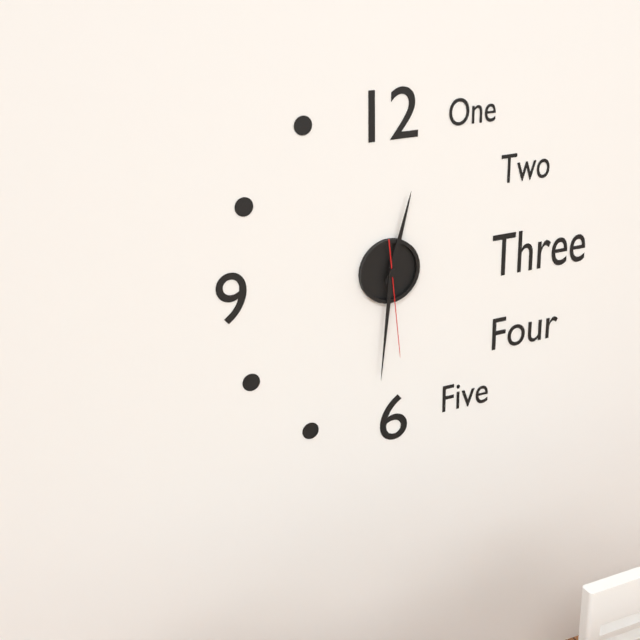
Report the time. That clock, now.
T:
12:31:29
